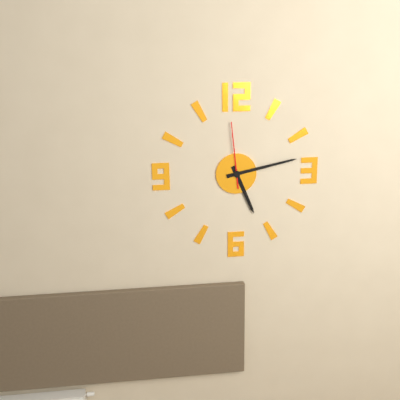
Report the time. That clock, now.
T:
5:13:59
